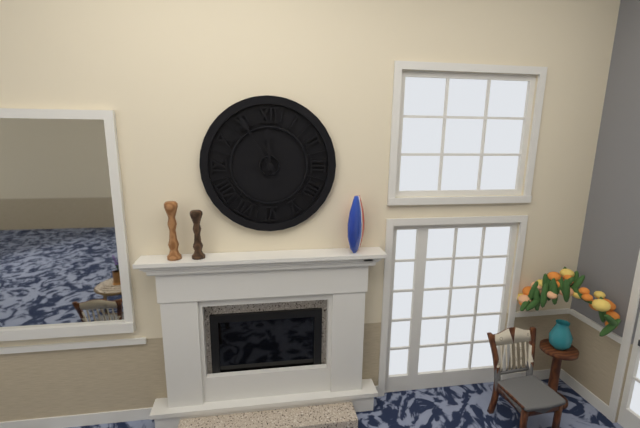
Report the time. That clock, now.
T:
11:55
